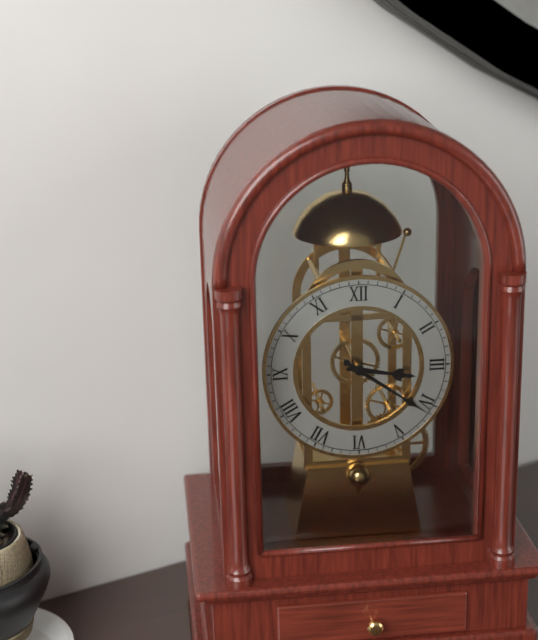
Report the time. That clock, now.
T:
3:21
